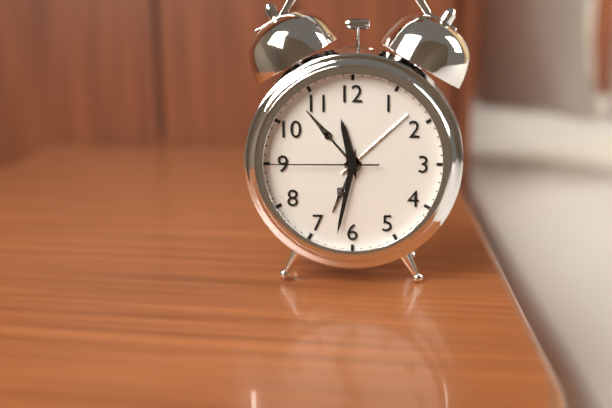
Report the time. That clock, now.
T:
11:32:45
